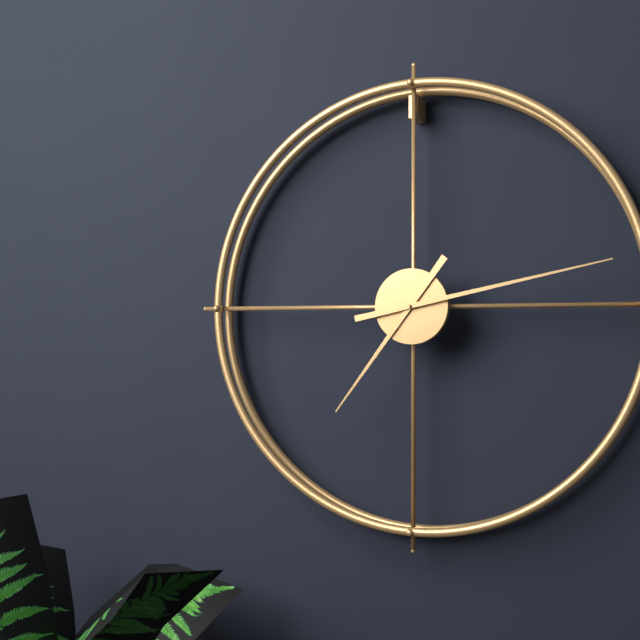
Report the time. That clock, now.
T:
7:13
